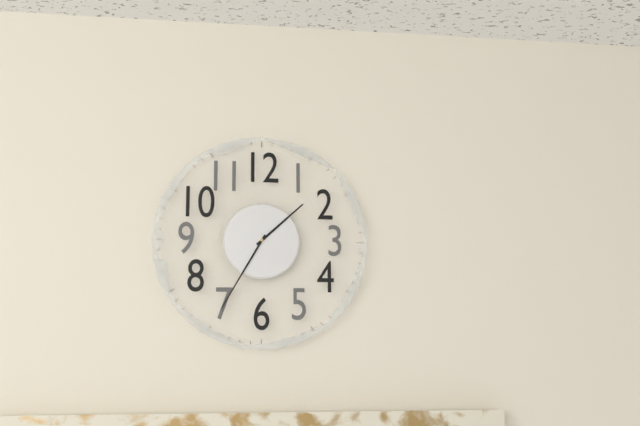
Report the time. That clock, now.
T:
1:35
